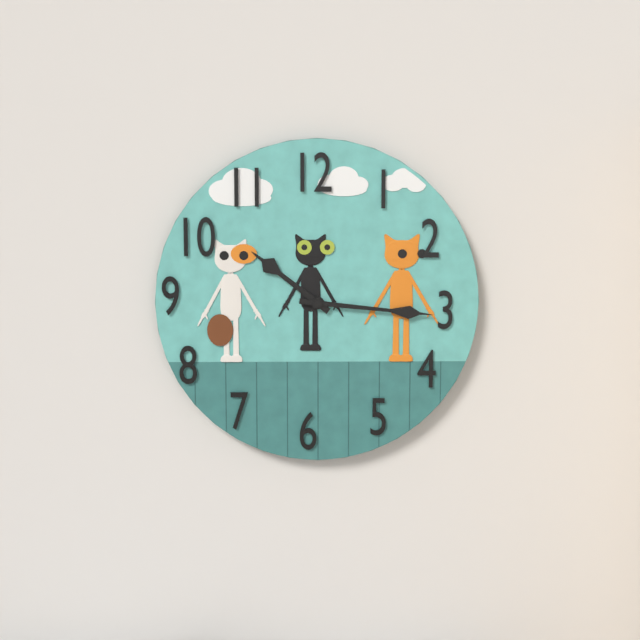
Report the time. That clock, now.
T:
10:16
